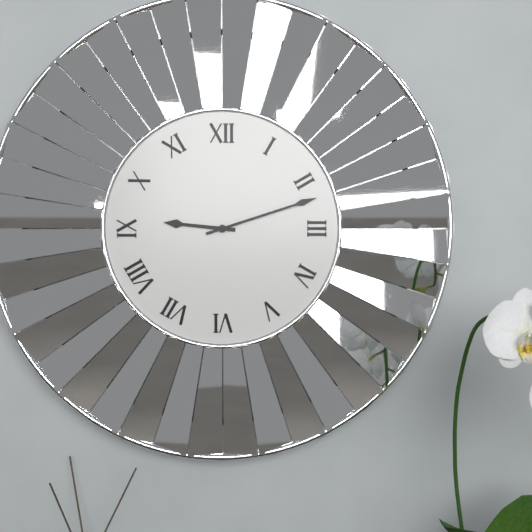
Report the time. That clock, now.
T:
9:12
